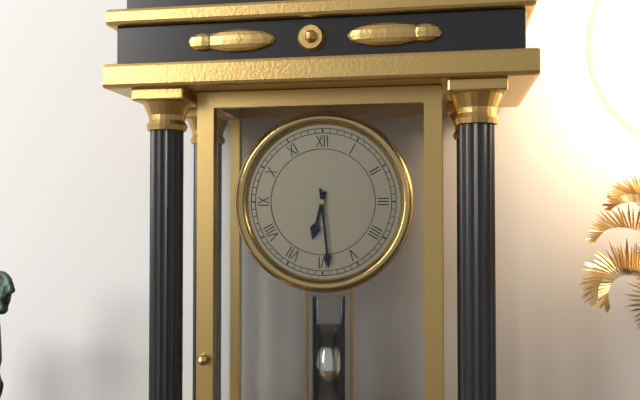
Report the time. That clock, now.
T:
6:29
